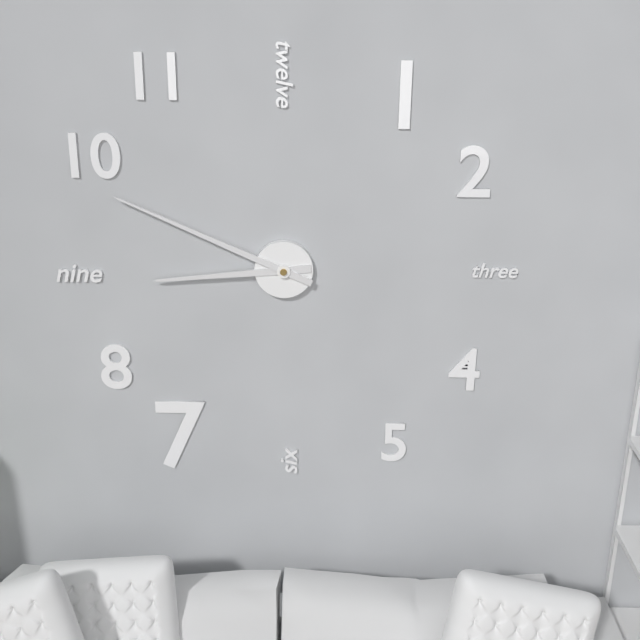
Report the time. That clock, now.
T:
8:49
